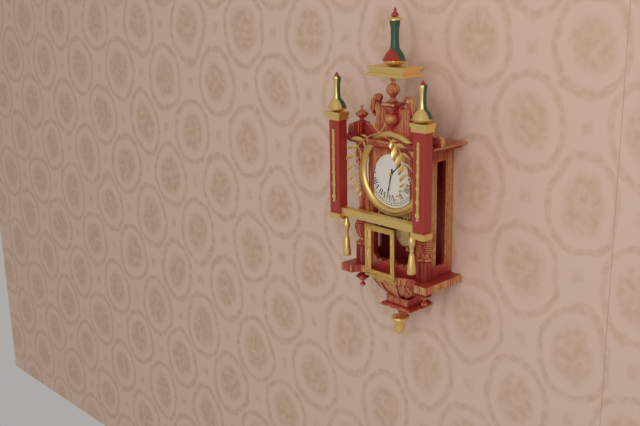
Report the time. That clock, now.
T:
1:32
